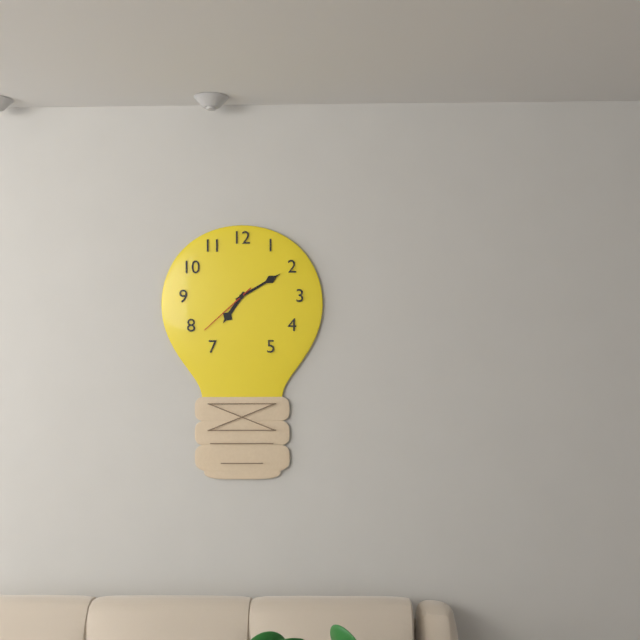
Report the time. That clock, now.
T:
7:10:38
